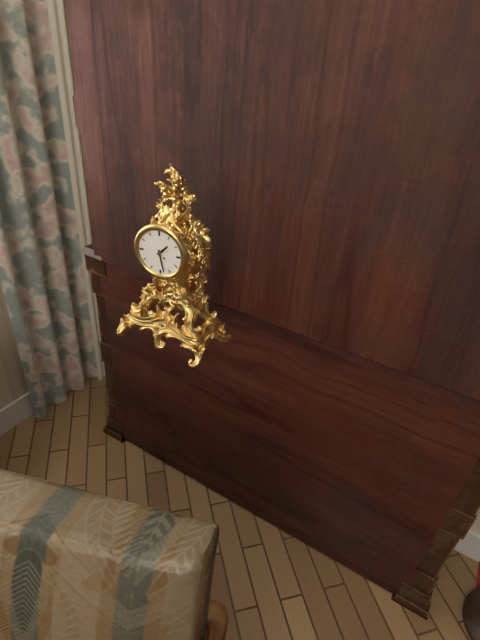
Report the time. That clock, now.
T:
1:28
